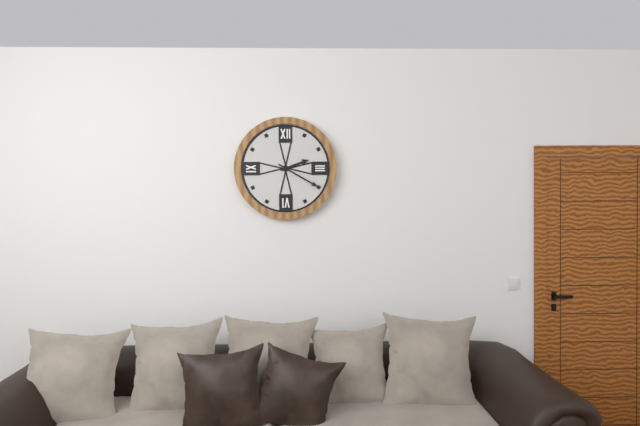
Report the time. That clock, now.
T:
2:20
